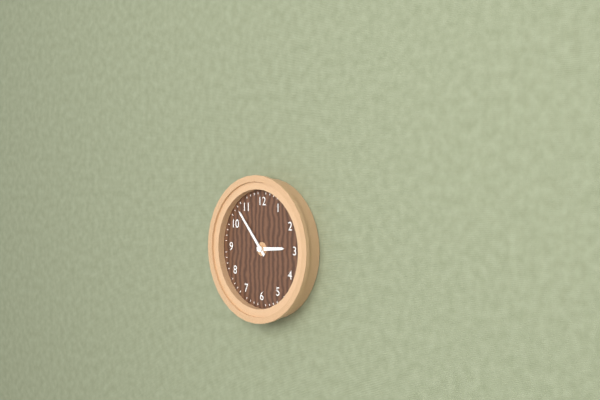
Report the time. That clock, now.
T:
2:53
